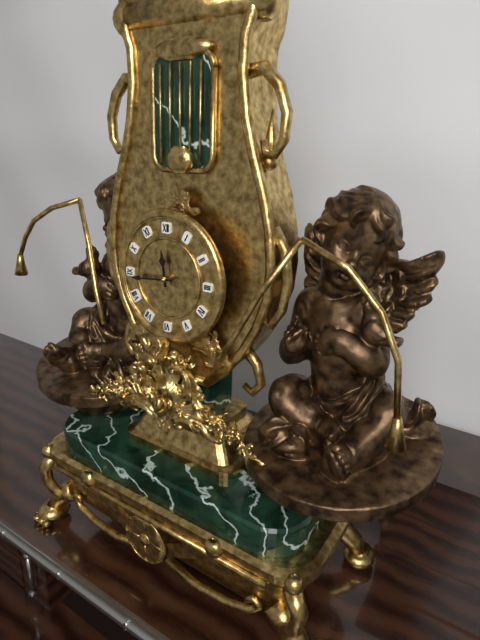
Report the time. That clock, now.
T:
11:44
